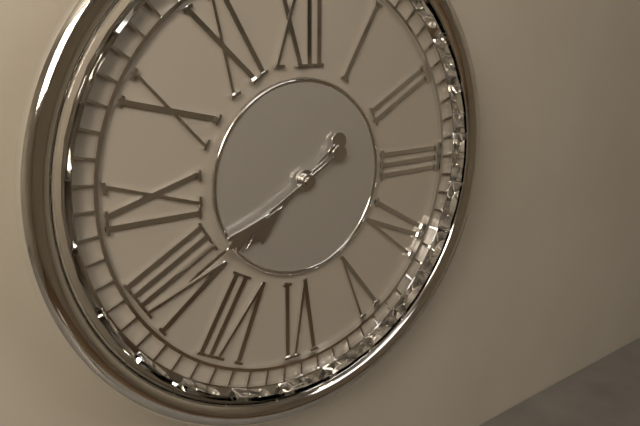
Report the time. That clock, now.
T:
7:40
